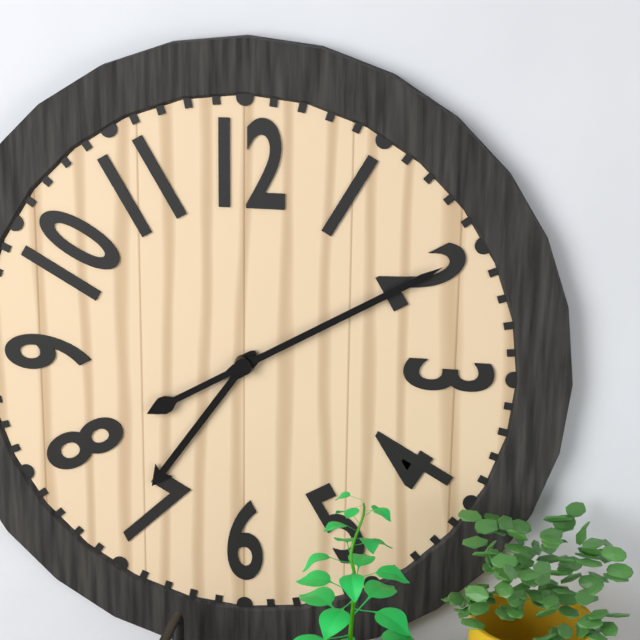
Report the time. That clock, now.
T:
7:10
